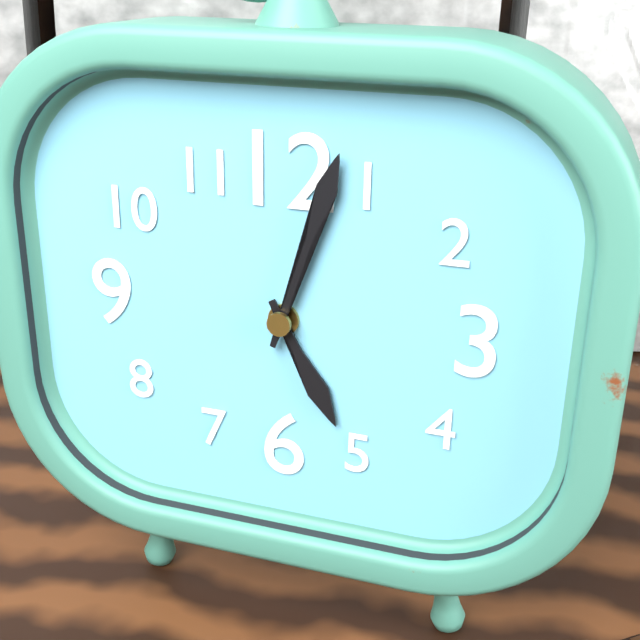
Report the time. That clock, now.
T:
5:03
